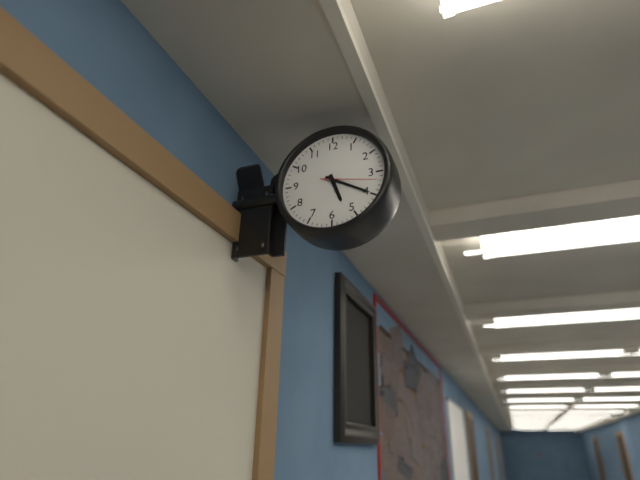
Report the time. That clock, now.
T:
5:20:17
